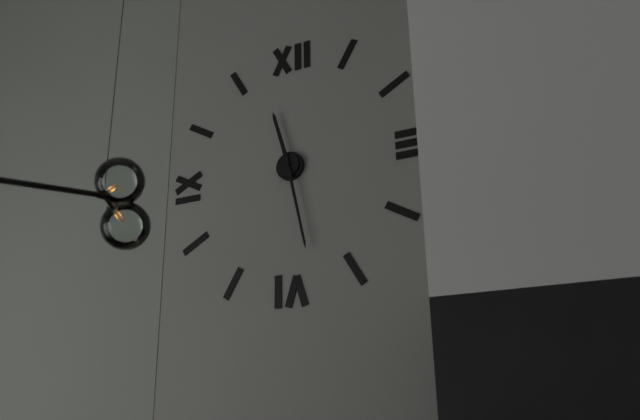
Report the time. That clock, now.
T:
11:28
